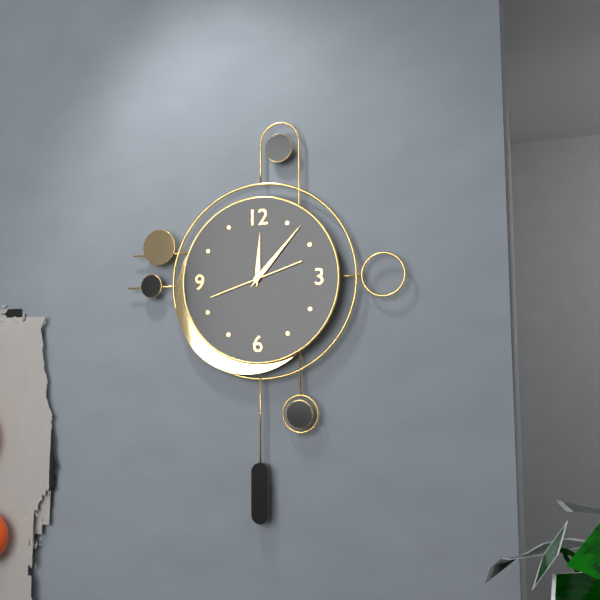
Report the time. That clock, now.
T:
12:07:42
